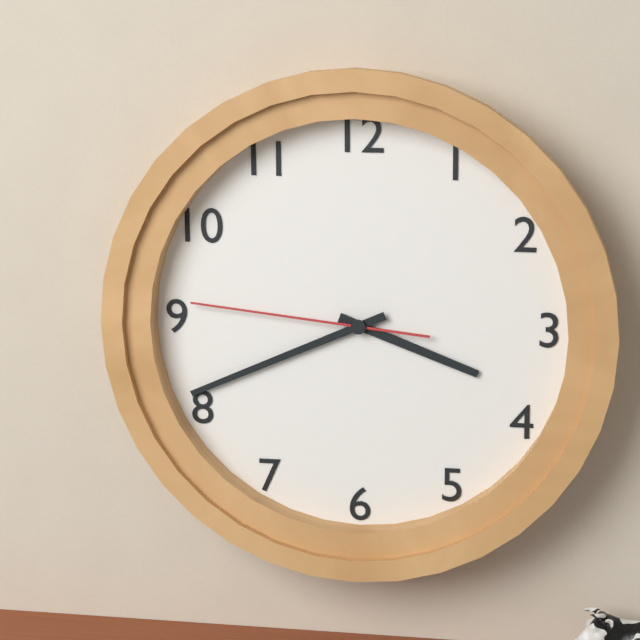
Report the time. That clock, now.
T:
3:41:46
